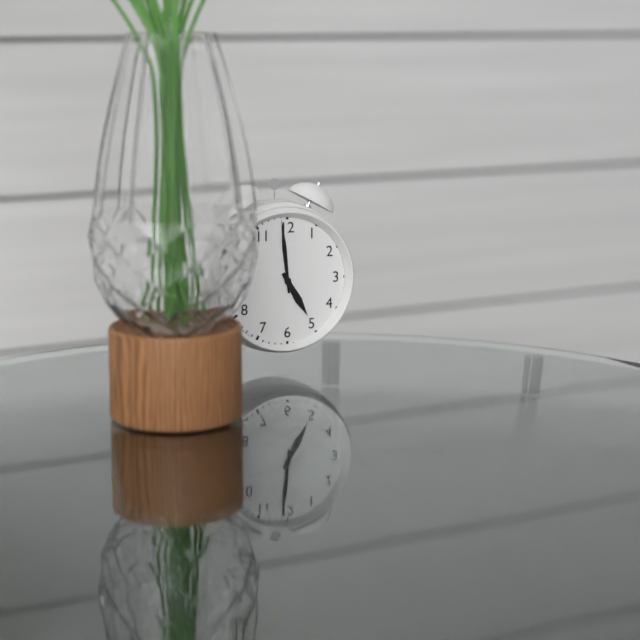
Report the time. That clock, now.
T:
4:59
